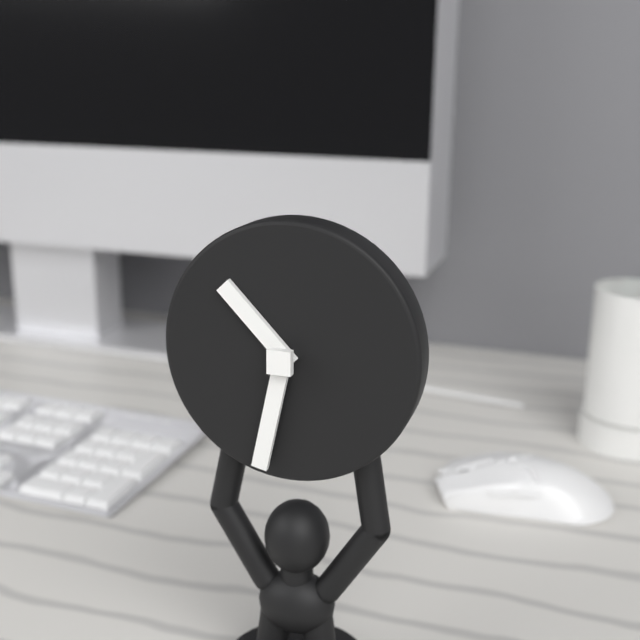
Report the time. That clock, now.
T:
10:32
